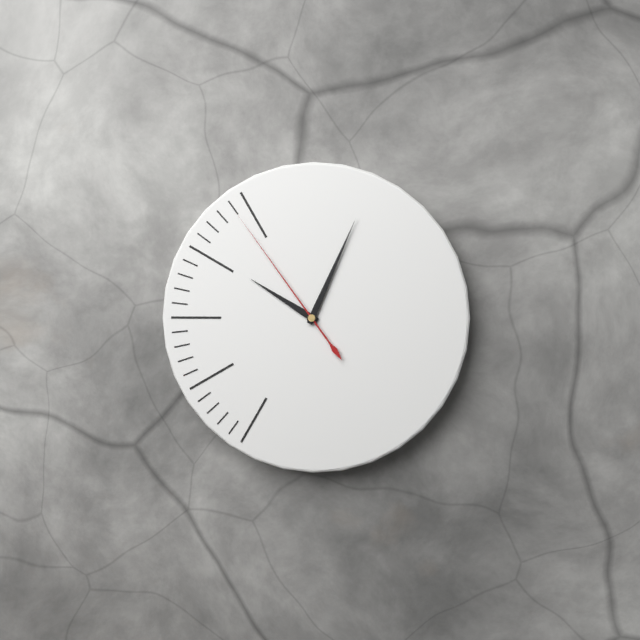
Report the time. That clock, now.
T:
10:04:54
